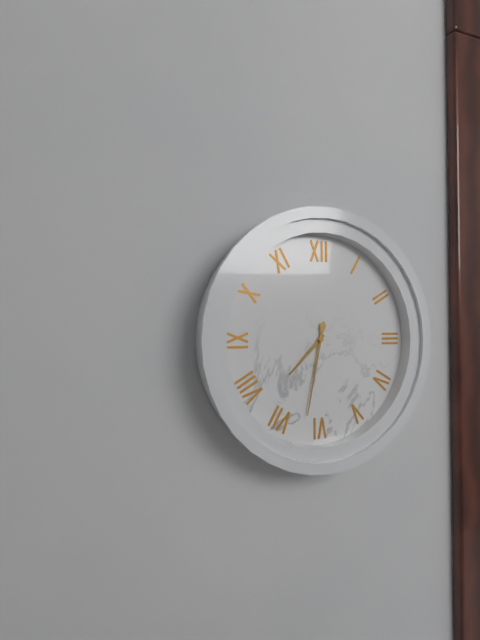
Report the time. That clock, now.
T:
7:32
